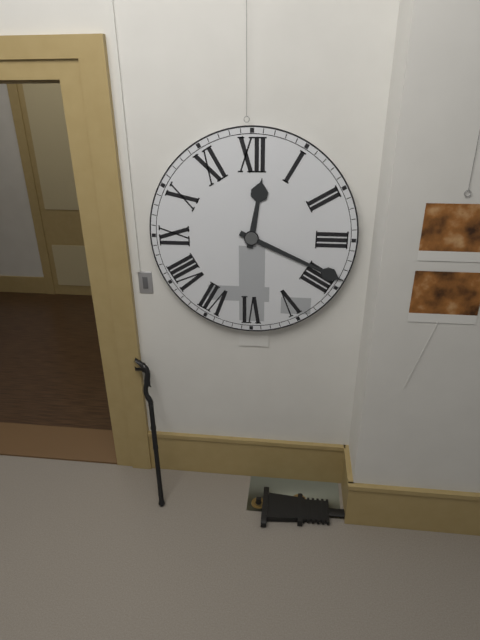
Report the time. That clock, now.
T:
12:19
